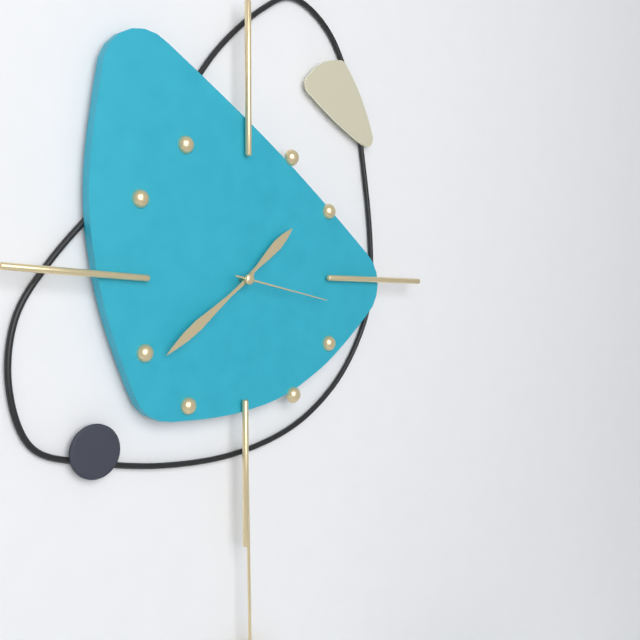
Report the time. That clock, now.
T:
1:39:17
